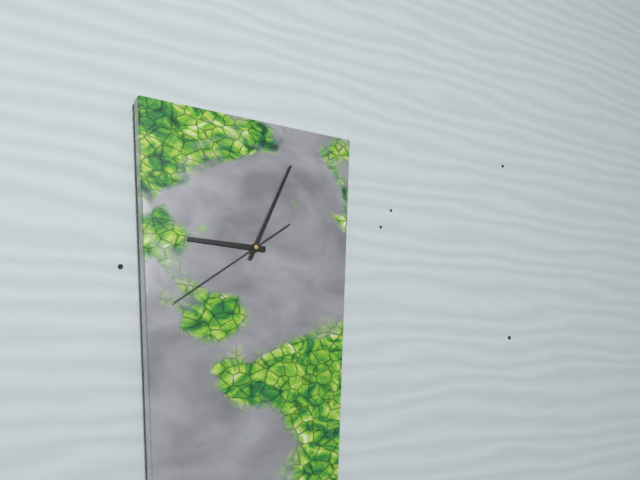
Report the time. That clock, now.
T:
9:04:39
